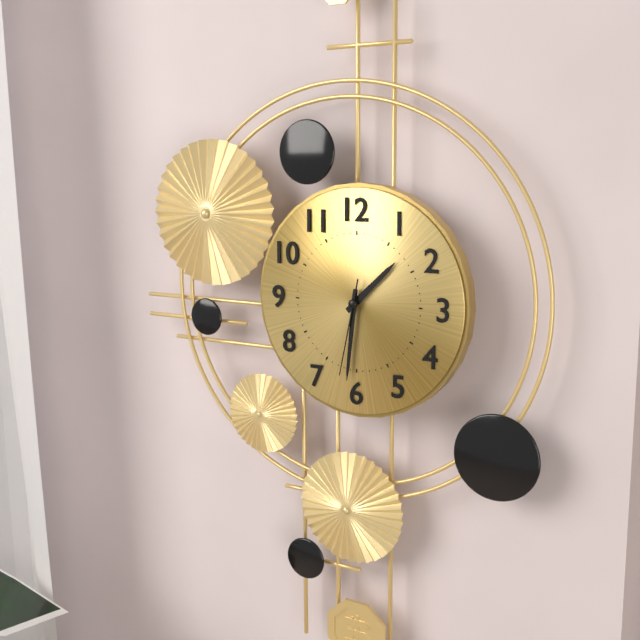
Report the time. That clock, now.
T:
1:31:32
